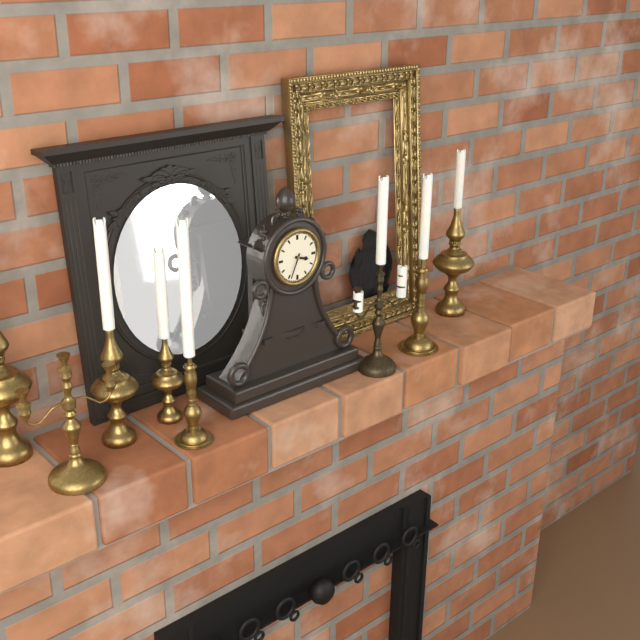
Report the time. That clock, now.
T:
3:34
